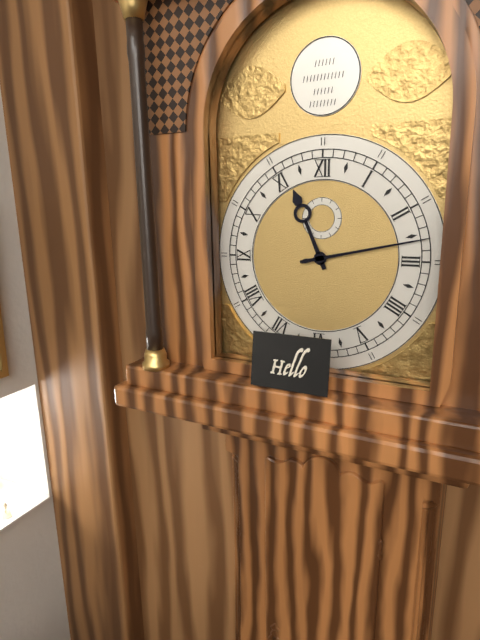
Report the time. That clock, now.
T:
11:13
